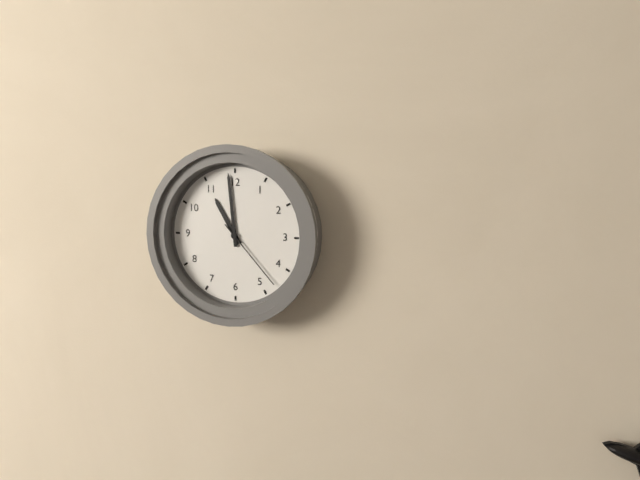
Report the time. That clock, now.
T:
10:59:23
